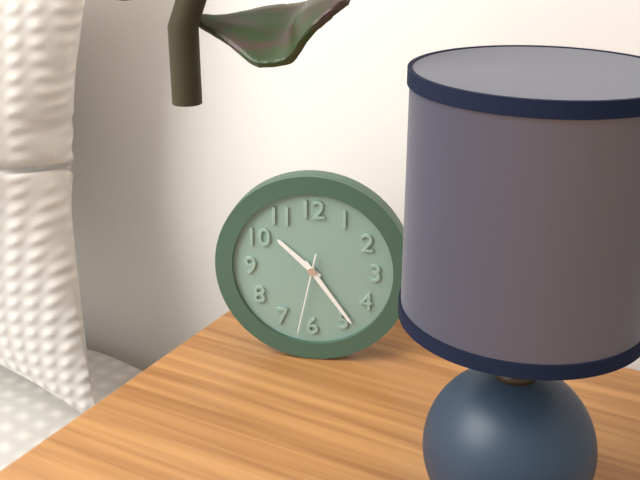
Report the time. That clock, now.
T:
10:24:32
